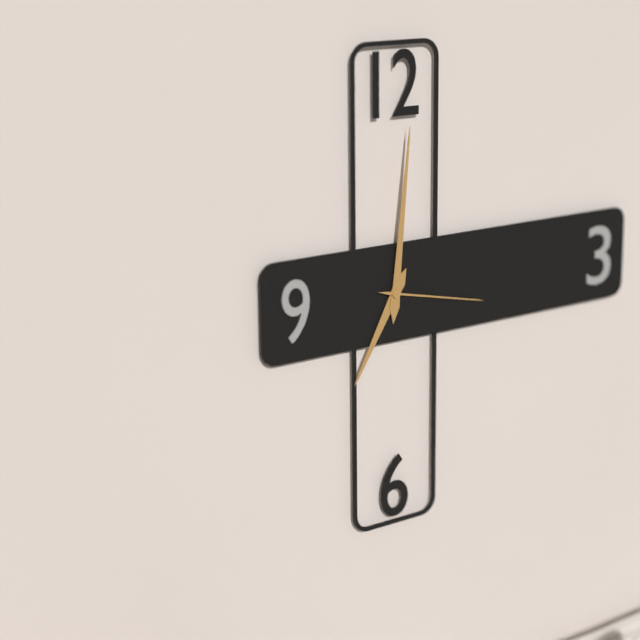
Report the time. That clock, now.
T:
7:01:17
